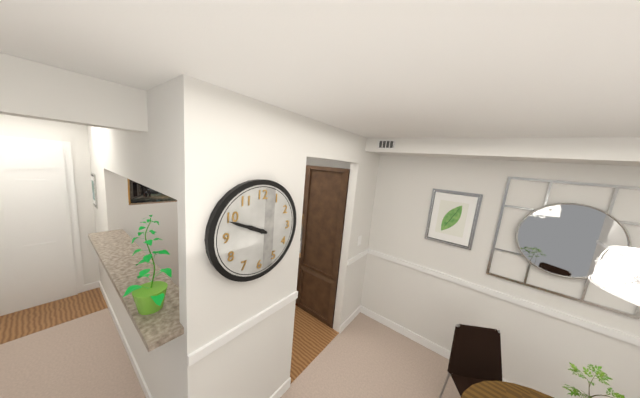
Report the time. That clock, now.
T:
9:49
